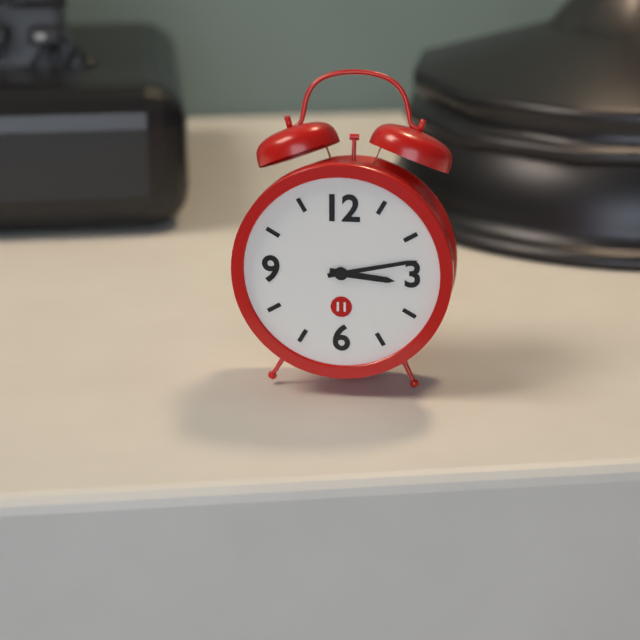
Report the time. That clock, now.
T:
3:13
